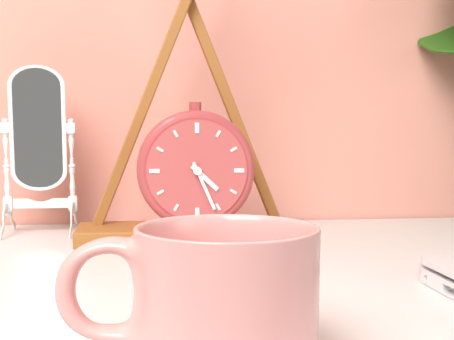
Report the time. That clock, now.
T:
4:26
